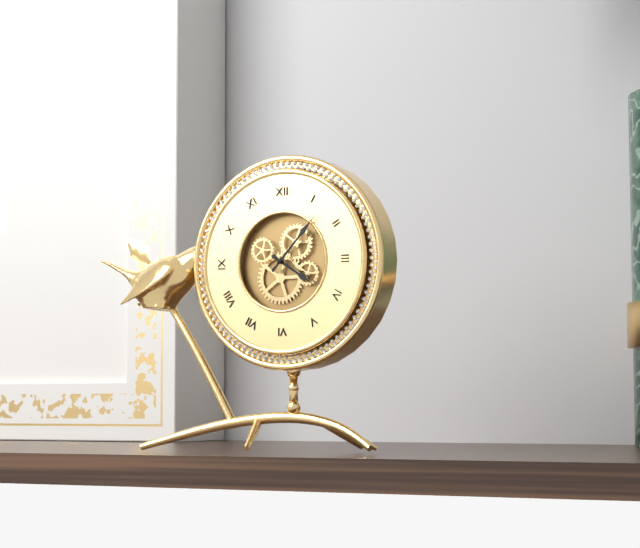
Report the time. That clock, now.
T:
4:07
